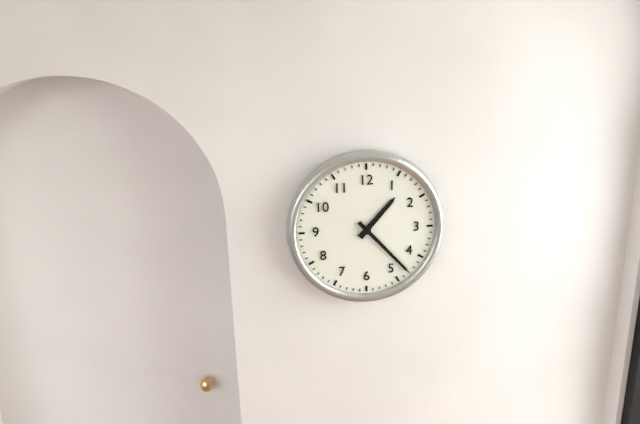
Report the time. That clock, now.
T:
1:23
